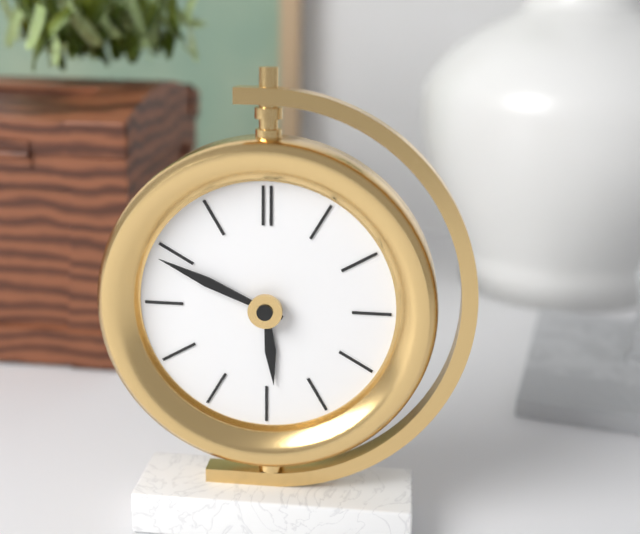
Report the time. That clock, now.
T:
5:49
